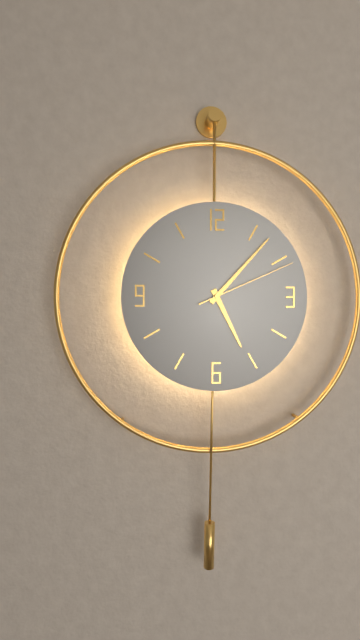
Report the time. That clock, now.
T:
5:07:11
